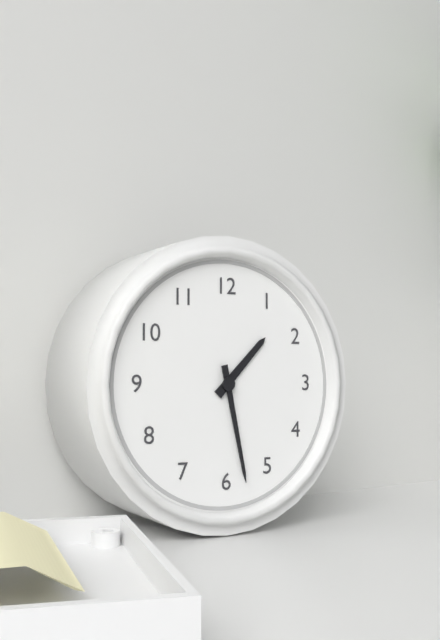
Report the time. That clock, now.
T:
1:28
